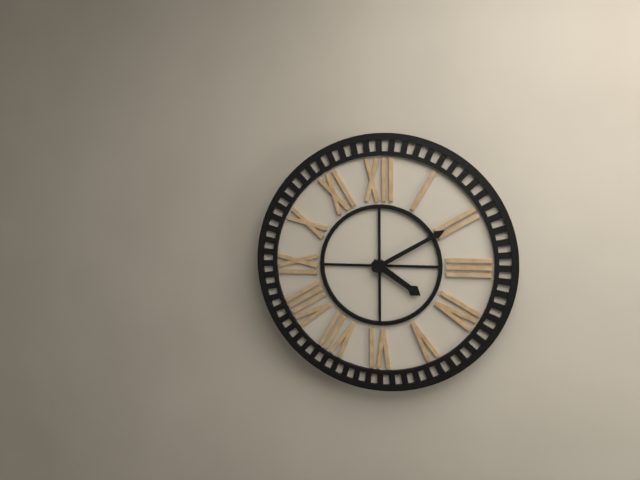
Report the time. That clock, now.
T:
4:10
